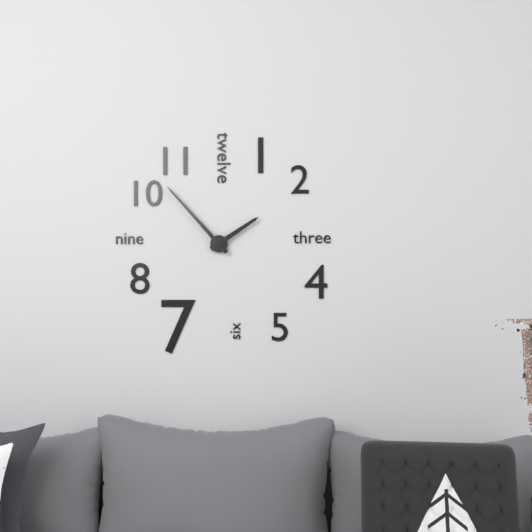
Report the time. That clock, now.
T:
1:53
